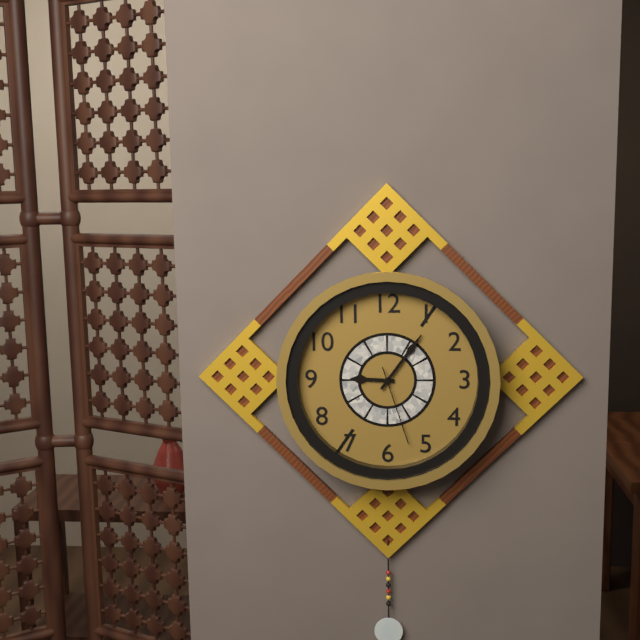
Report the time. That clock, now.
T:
9:06:27
